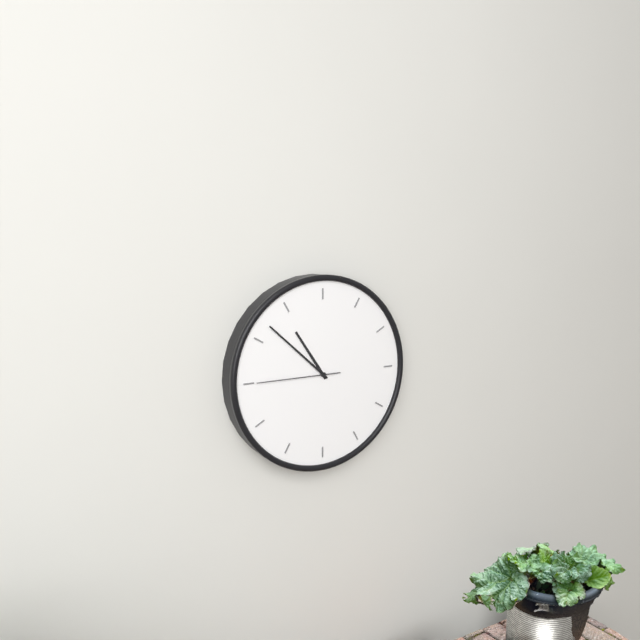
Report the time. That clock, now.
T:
10:52:45
